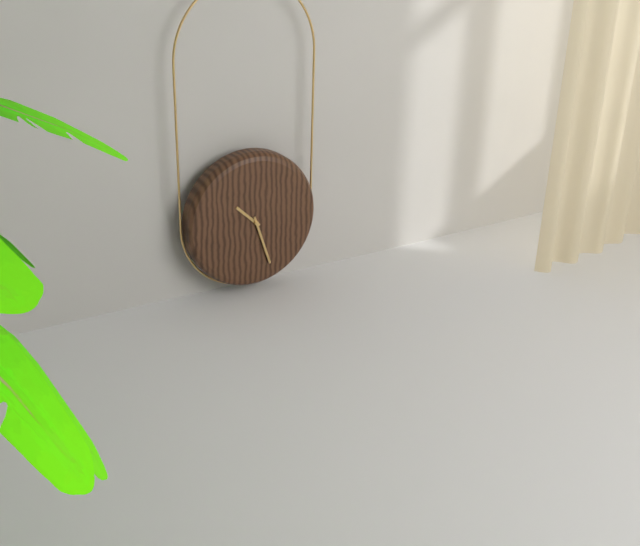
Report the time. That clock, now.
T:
10:27
